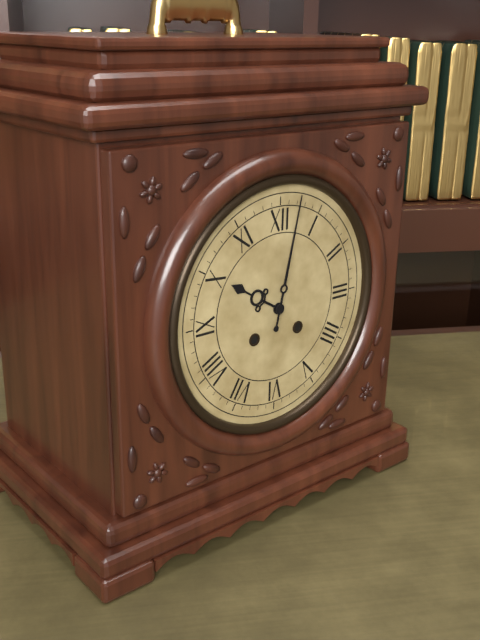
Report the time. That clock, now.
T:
10:02
